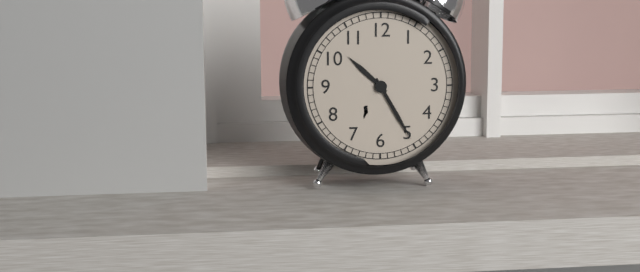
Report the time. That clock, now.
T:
10:25
